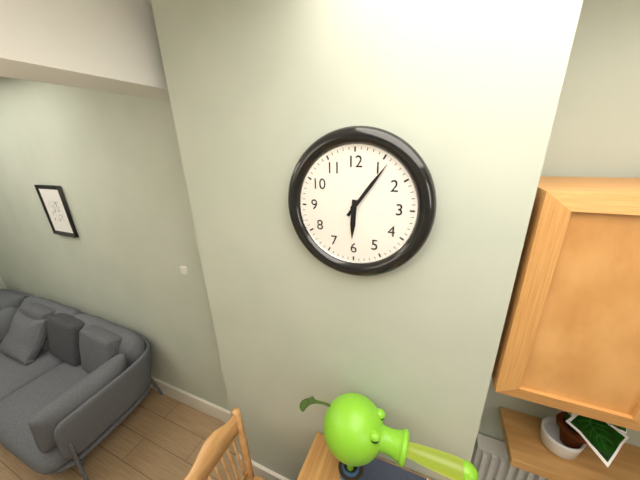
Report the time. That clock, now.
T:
6:06
